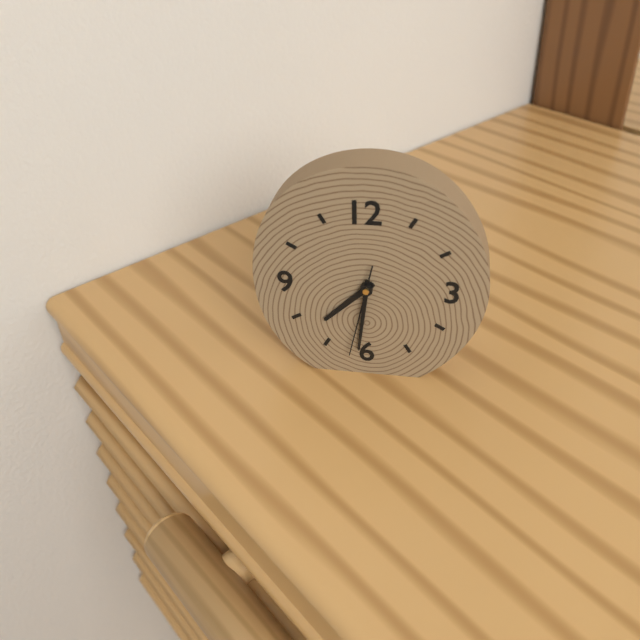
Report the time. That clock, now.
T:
7:31:32
